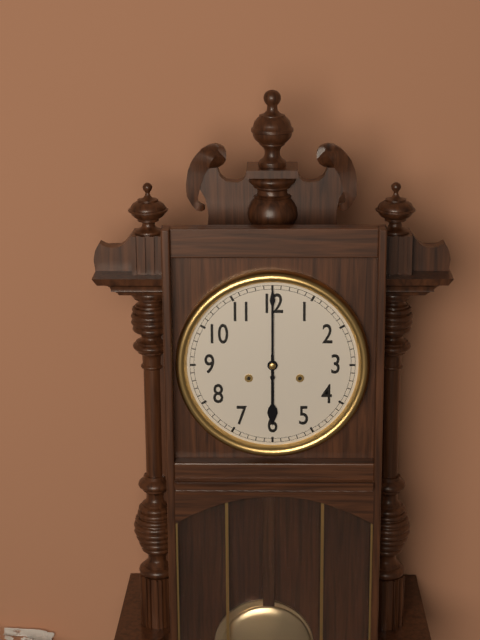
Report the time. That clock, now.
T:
6:00
